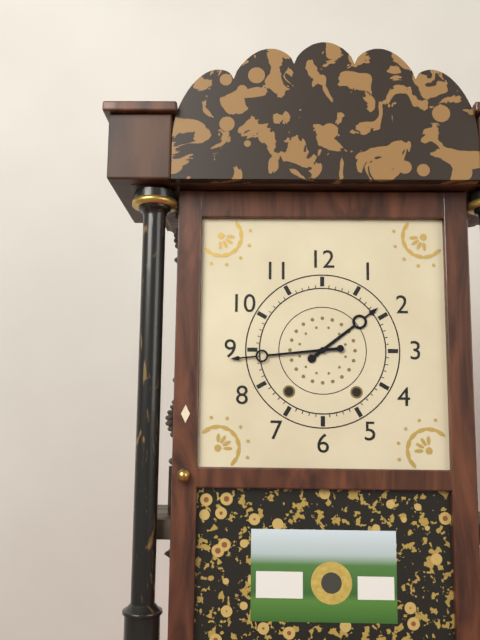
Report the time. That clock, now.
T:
1:44
